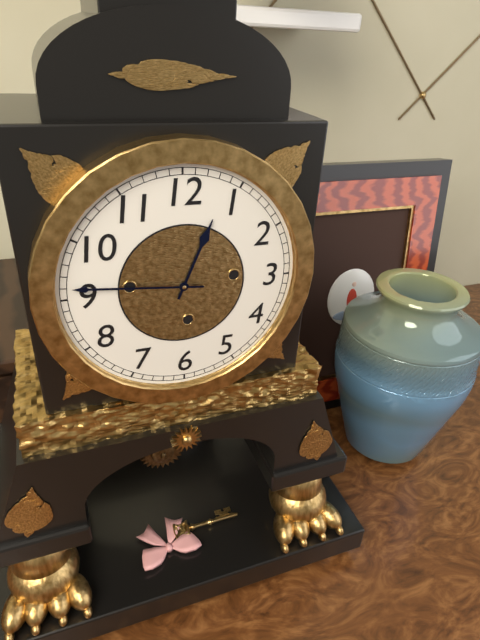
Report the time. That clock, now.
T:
12:46
